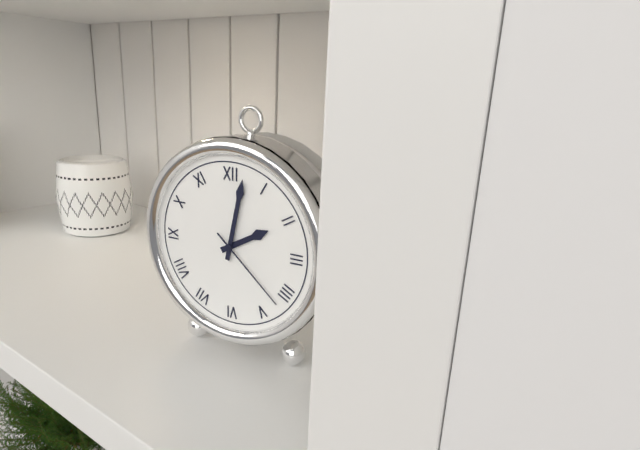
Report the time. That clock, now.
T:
2:02:22
